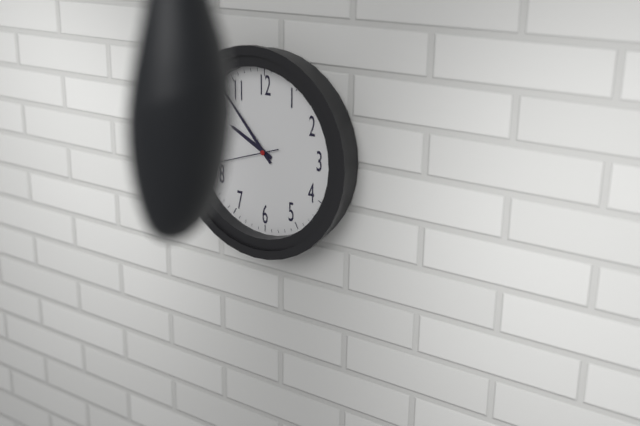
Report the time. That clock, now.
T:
9:53
